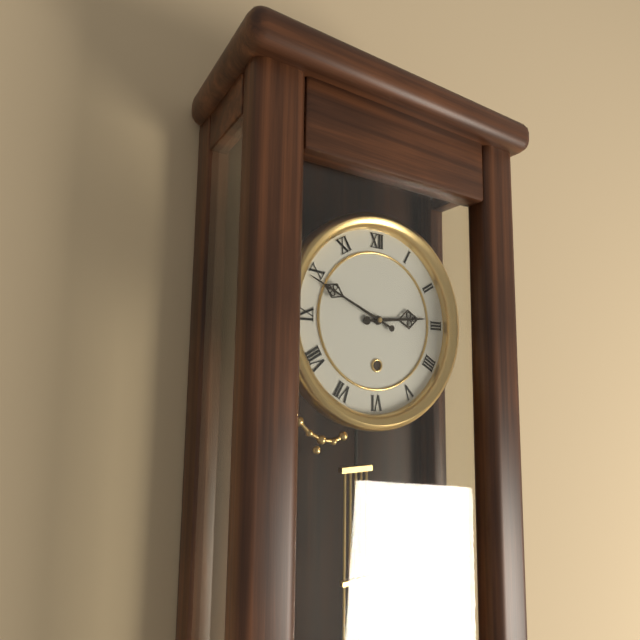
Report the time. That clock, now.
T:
2:49
